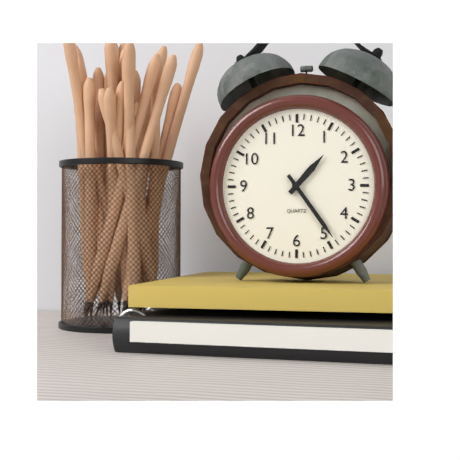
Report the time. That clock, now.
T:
1:24
